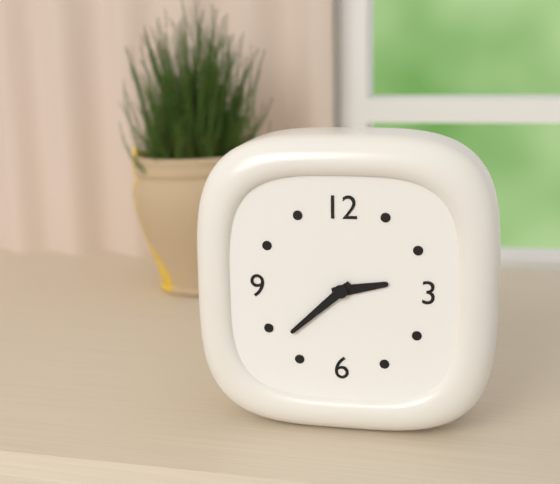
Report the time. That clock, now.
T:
2:38
